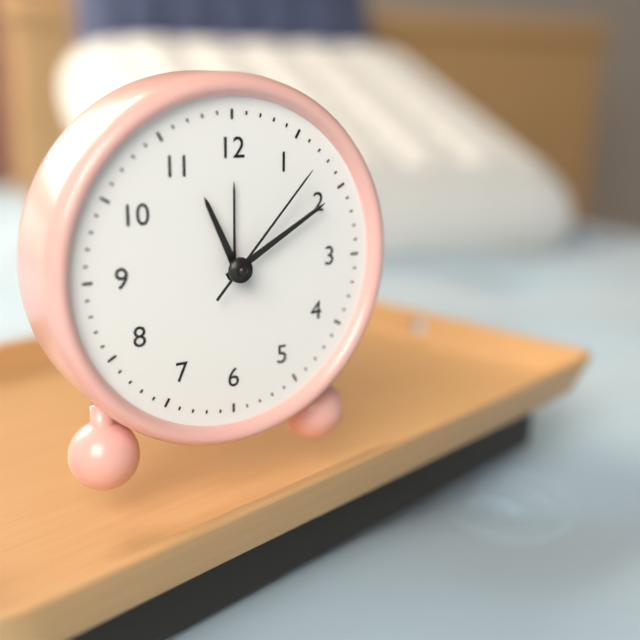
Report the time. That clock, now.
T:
11:10:07
